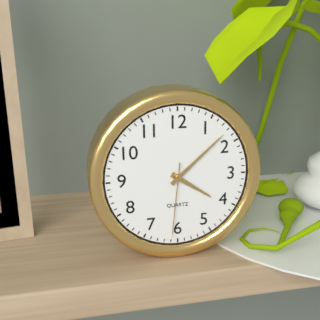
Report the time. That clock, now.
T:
4:08:31
